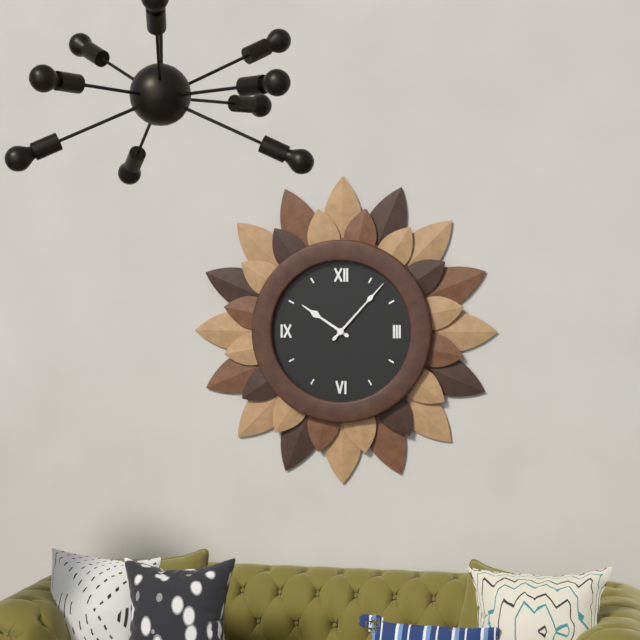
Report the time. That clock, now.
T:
10:07
